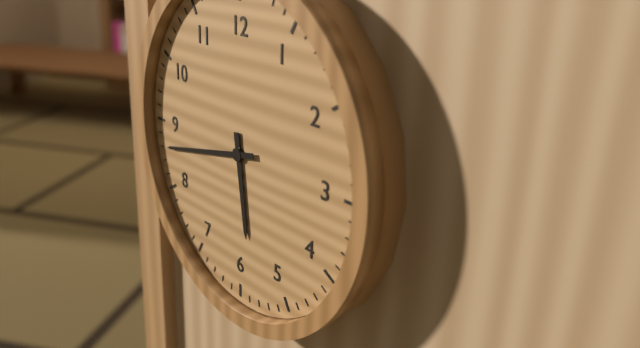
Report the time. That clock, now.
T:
5:43
